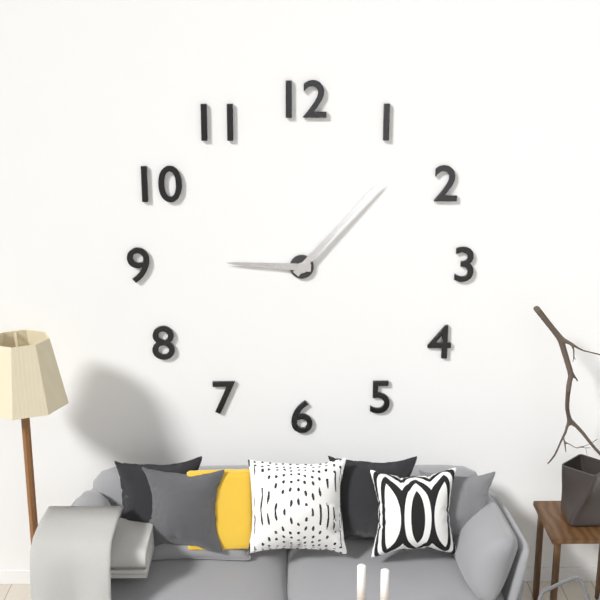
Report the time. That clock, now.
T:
9:07
